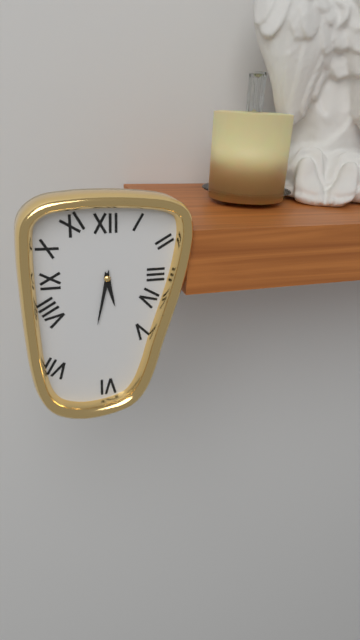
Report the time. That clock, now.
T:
5:32
